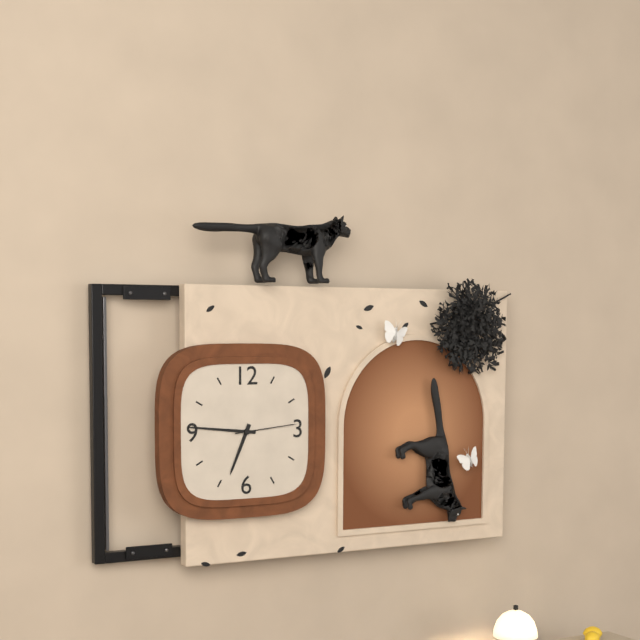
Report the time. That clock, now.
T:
6:46:14
